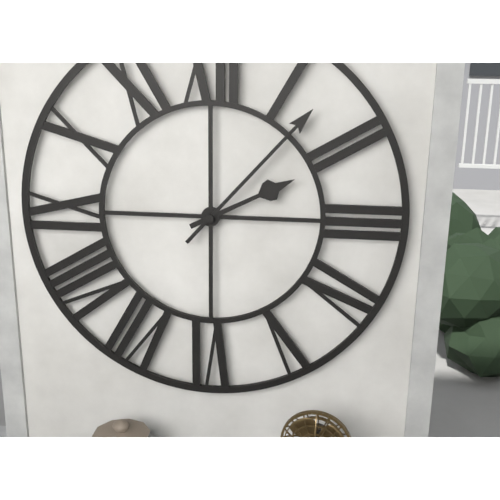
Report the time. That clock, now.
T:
2:07
